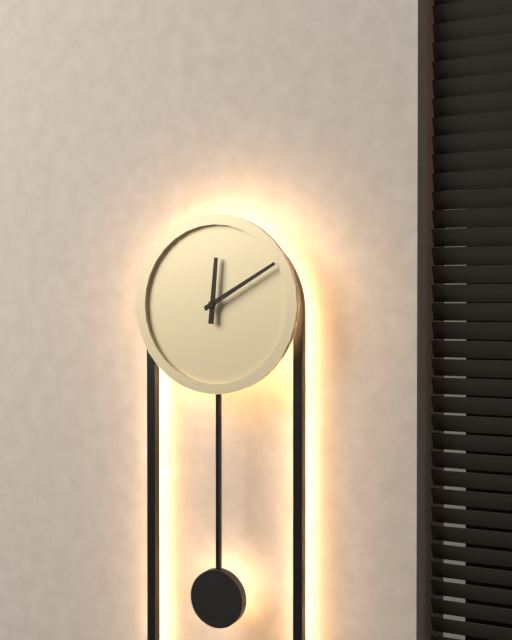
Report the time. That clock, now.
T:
12:10
